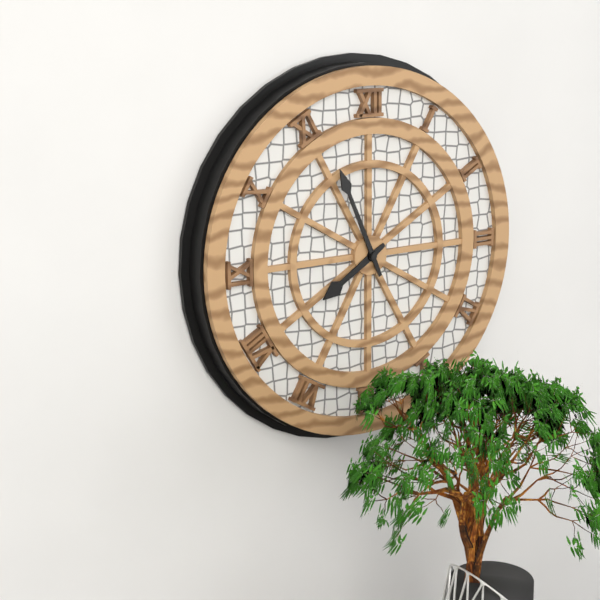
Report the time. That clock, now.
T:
7:56
